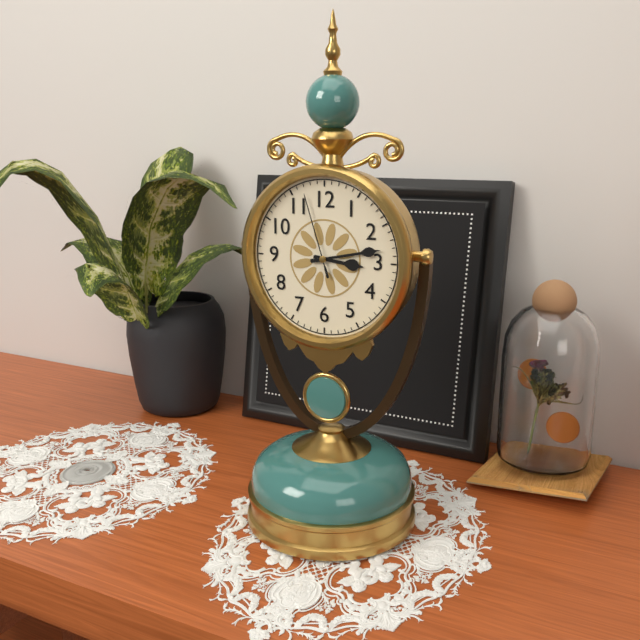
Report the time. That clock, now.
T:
3:13:57
